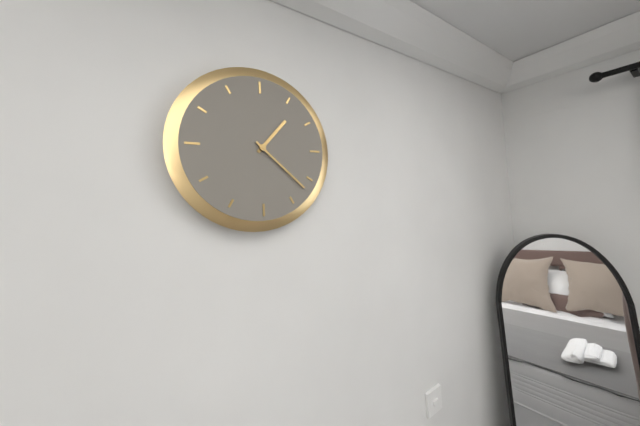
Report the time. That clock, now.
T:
1:22
